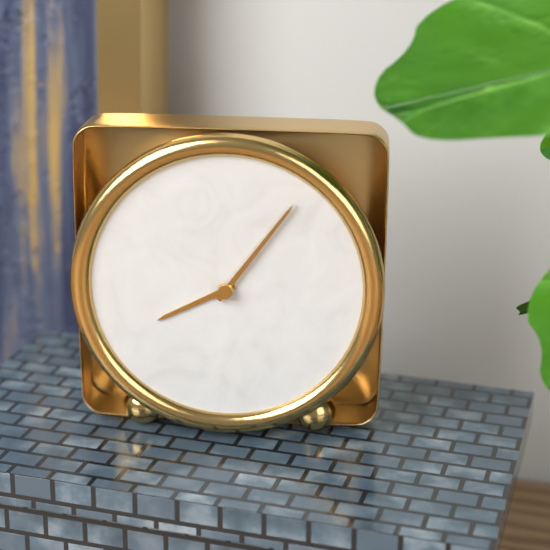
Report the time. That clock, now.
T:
8:06
